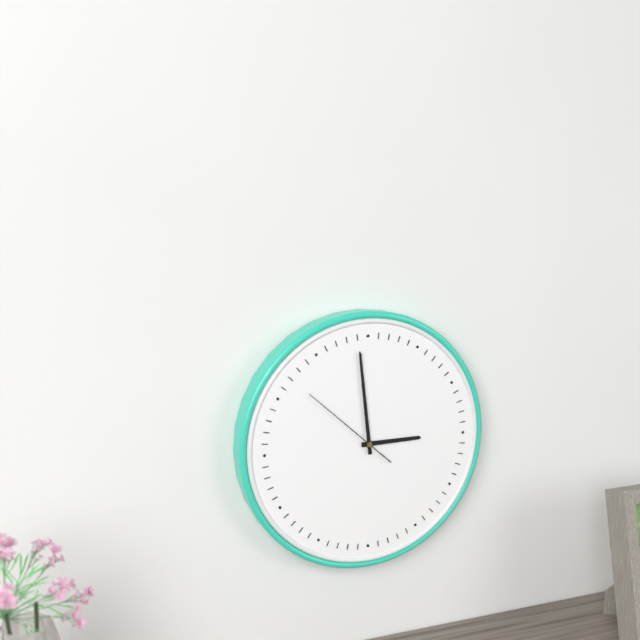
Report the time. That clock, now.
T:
2:59:52
